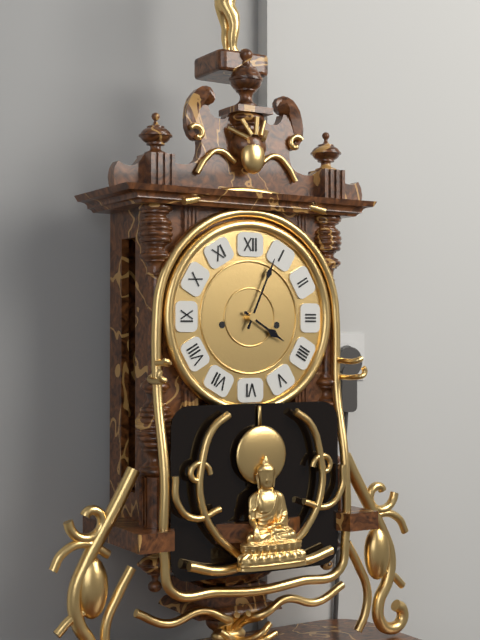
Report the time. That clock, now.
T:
4:04
